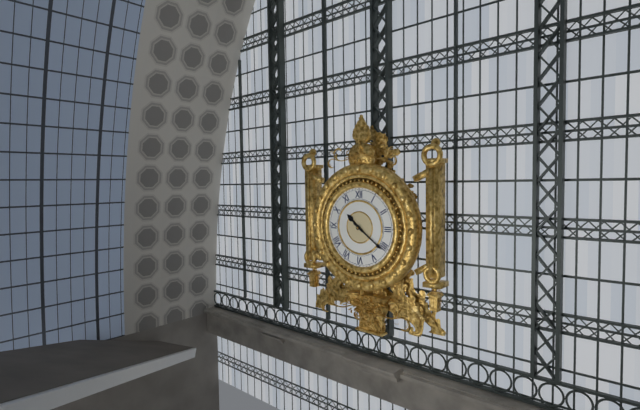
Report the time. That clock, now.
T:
10:21
